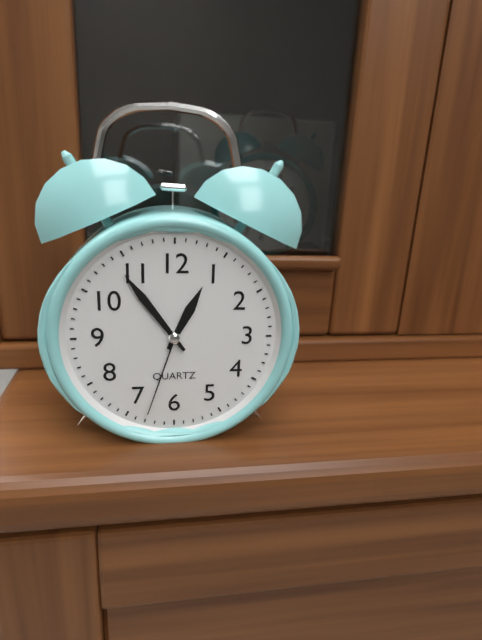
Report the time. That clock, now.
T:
12:54:33
